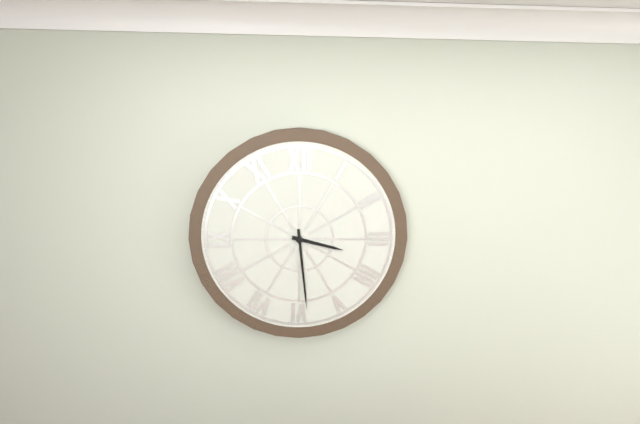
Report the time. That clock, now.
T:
3:29
